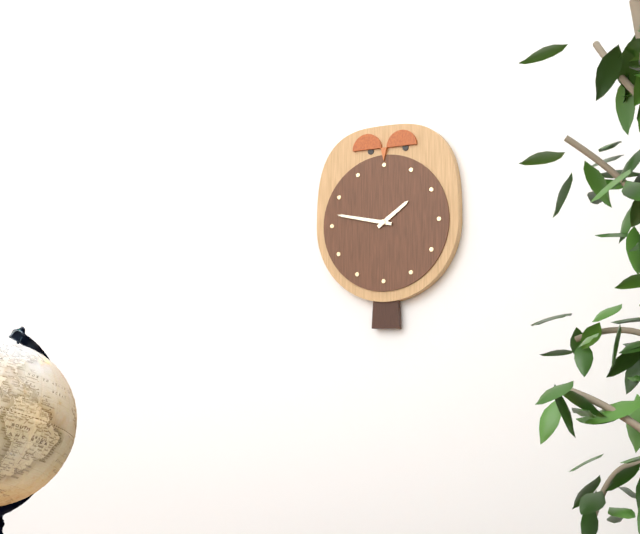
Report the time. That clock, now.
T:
1:47
